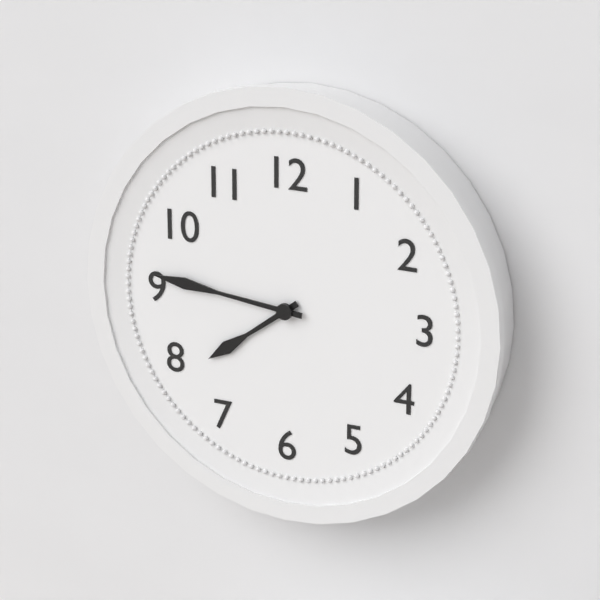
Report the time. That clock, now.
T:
7:46
